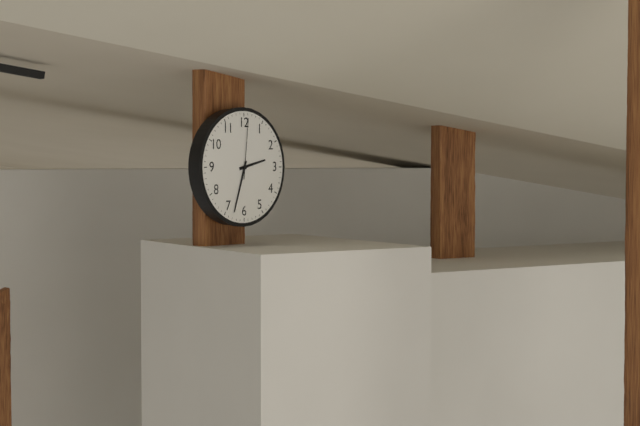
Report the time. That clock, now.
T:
2:33:01
